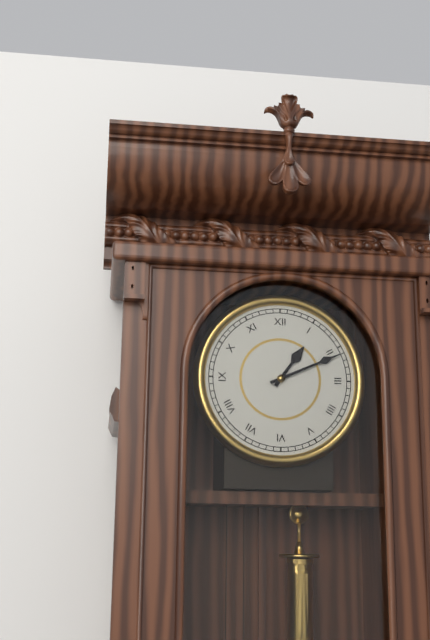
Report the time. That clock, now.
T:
1:11
